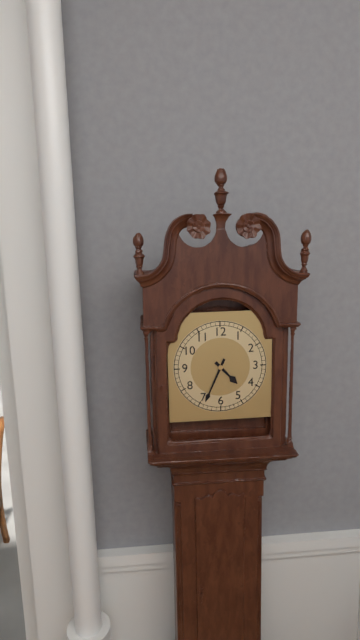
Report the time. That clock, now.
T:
4:34
